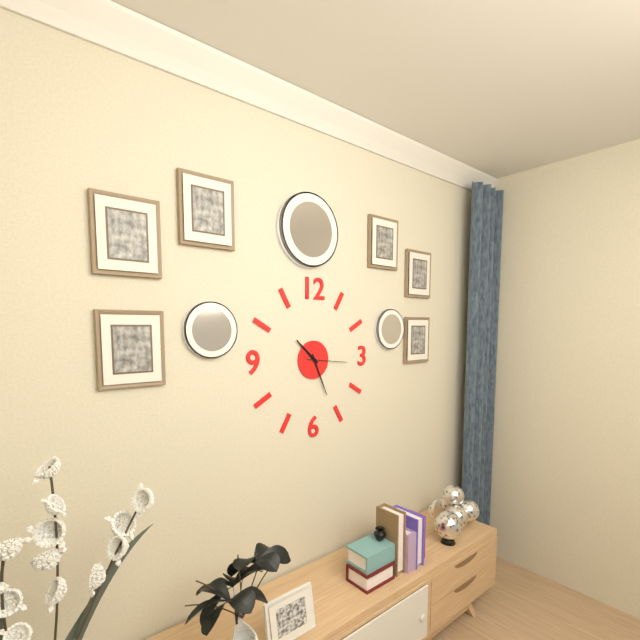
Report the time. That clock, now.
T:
10:26
